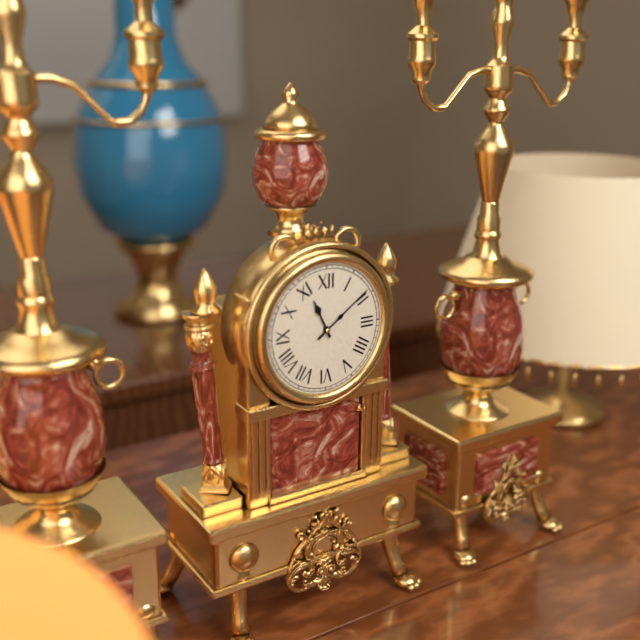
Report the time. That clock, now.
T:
11:09
